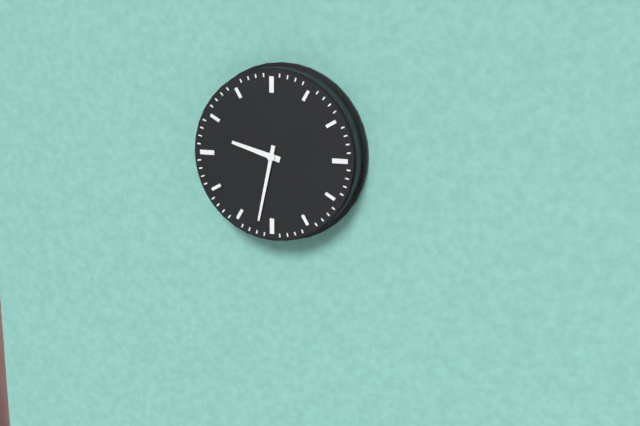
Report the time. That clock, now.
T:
9:32
